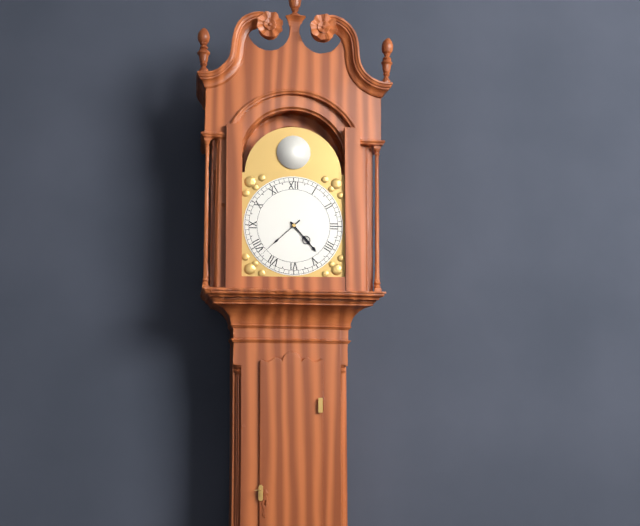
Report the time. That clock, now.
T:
4:38
